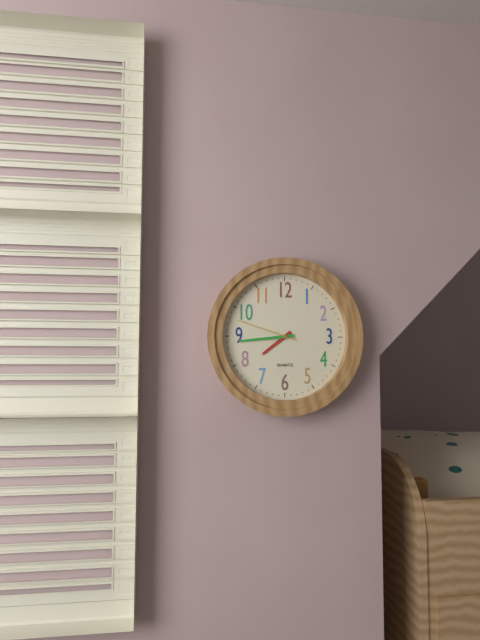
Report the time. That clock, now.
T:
7:44:48
